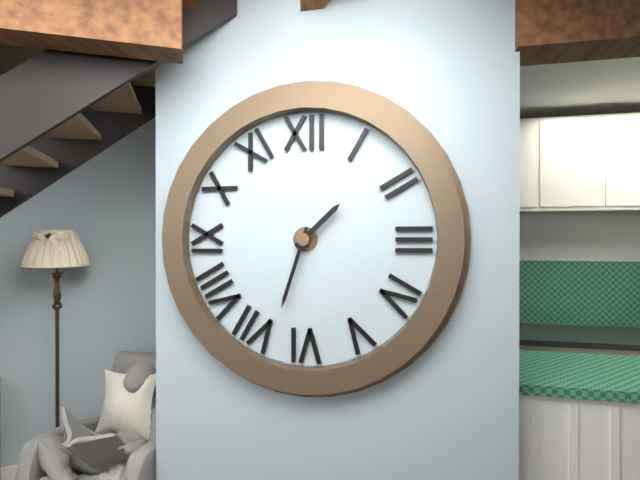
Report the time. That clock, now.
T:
1:33
